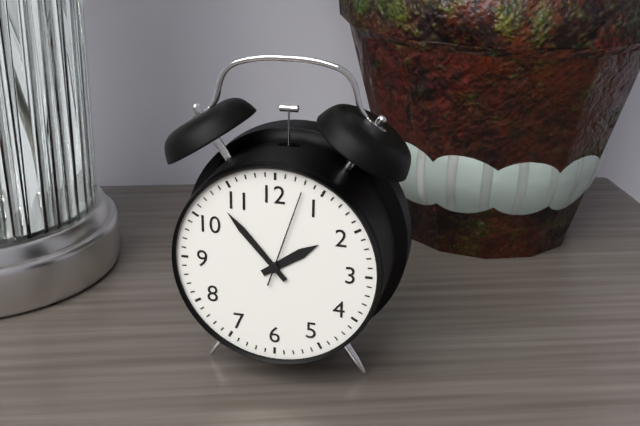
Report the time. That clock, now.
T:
1:53:03
